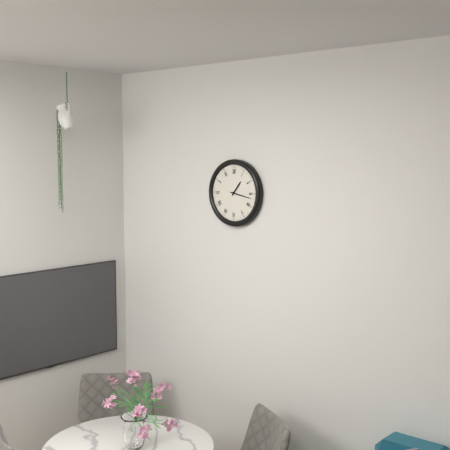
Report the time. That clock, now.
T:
1:17
